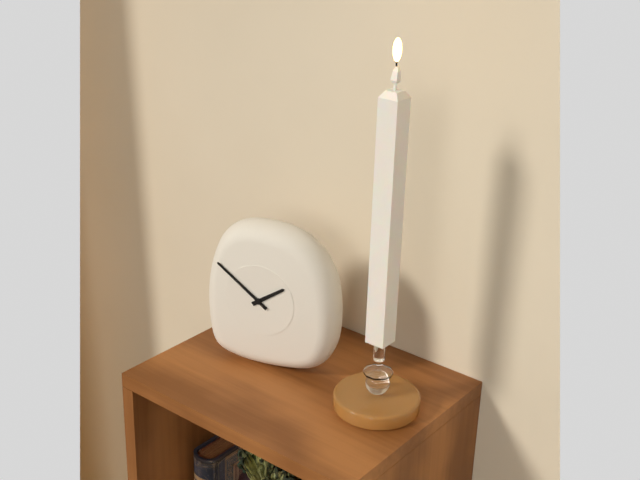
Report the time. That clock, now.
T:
1:51
